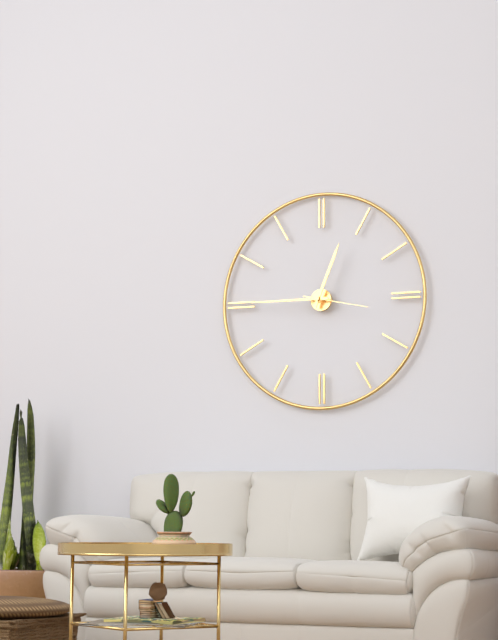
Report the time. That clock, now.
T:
12:45:17
